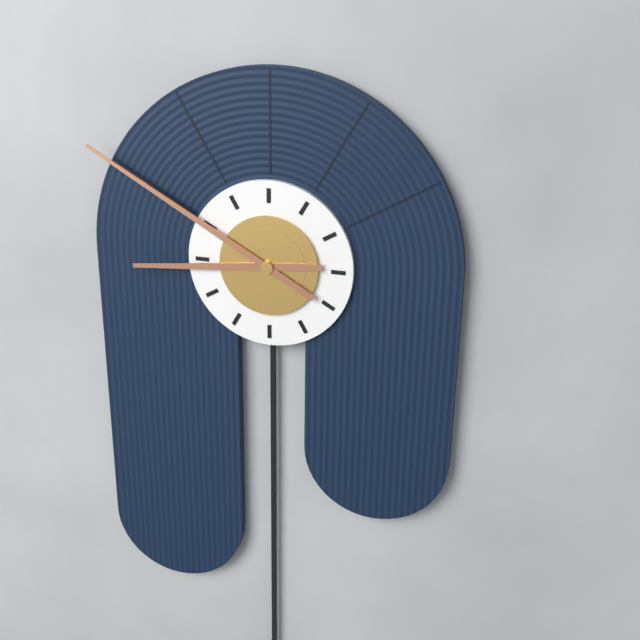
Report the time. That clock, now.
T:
8:50
